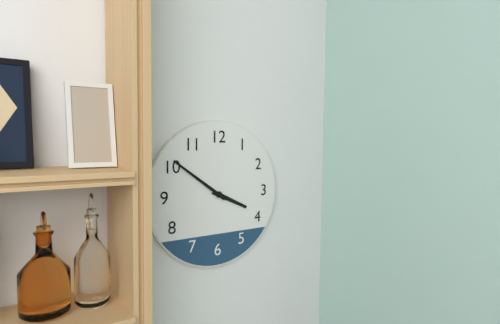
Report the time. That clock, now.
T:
3:51
